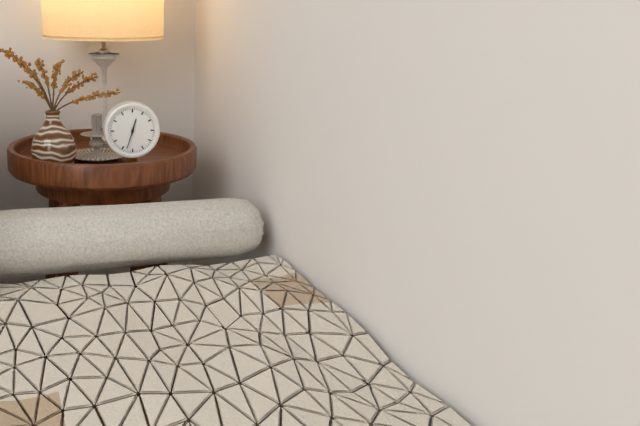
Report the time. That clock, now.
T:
12:33
